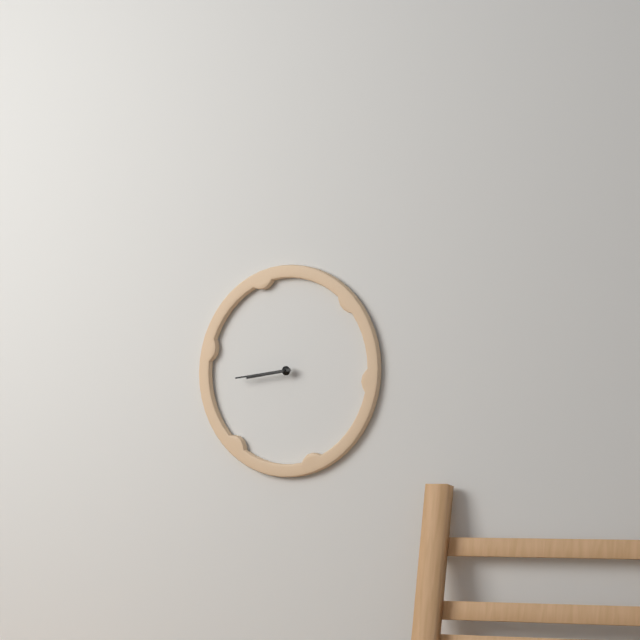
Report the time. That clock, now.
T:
8:44
